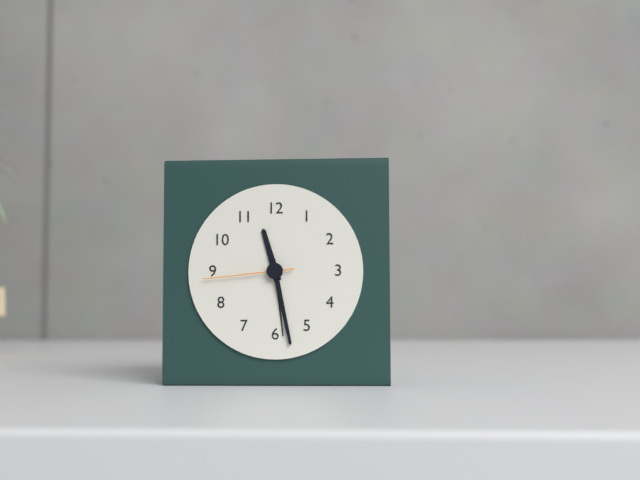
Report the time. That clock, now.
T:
11:28:44
